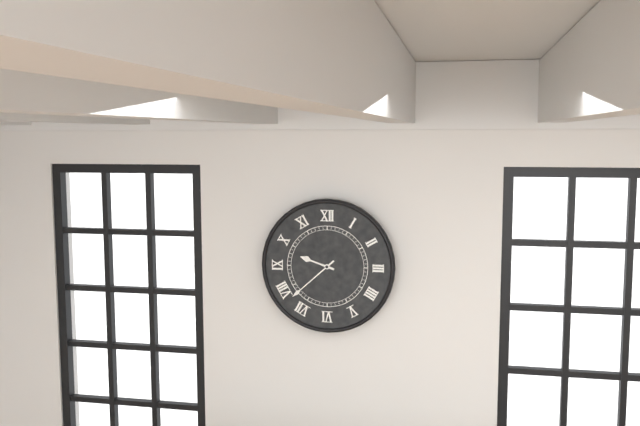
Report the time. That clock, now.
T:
9:38
